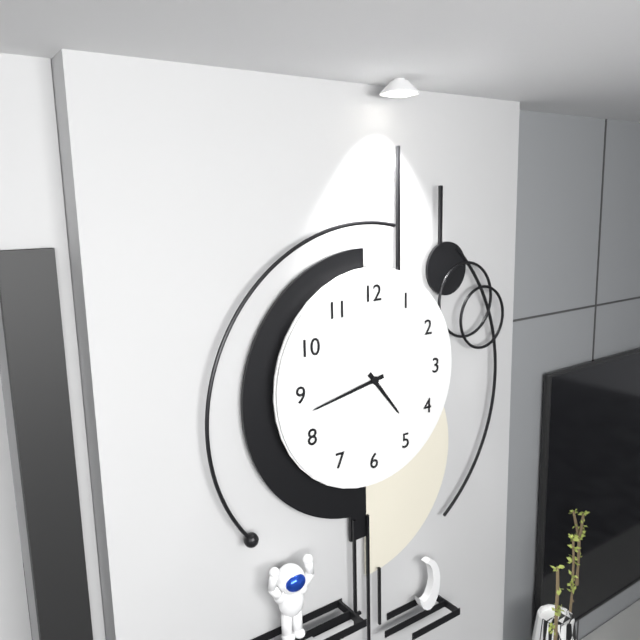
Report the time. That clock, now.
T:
4:43
